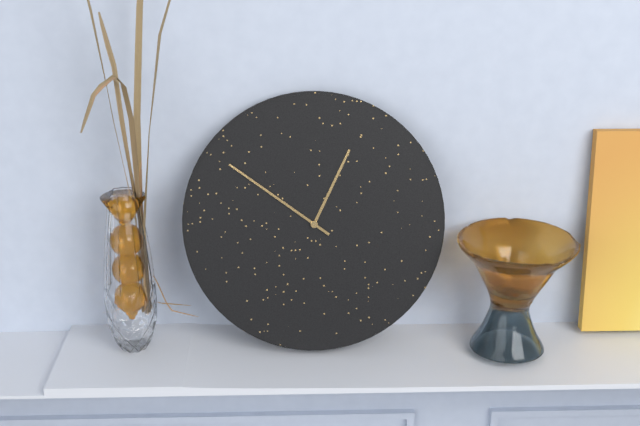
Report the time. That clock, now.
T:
12:51
